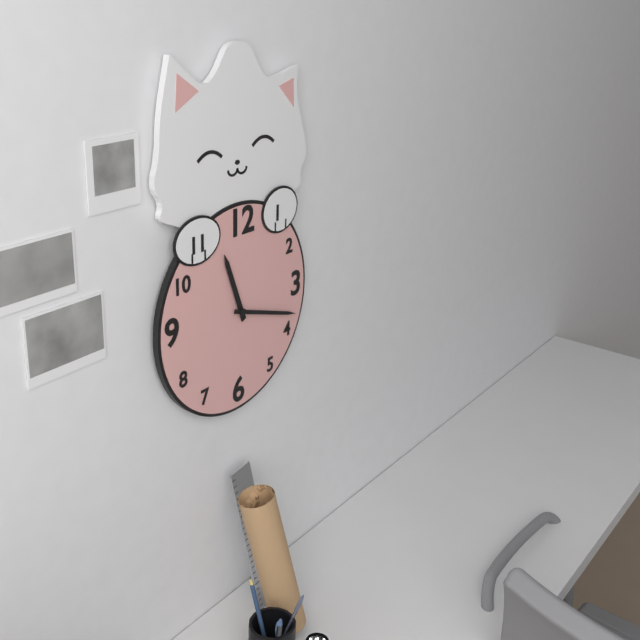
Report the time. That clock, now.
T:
11:18
